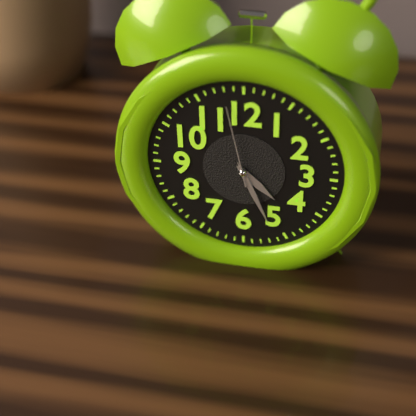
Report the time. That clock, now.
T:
4:26:58
